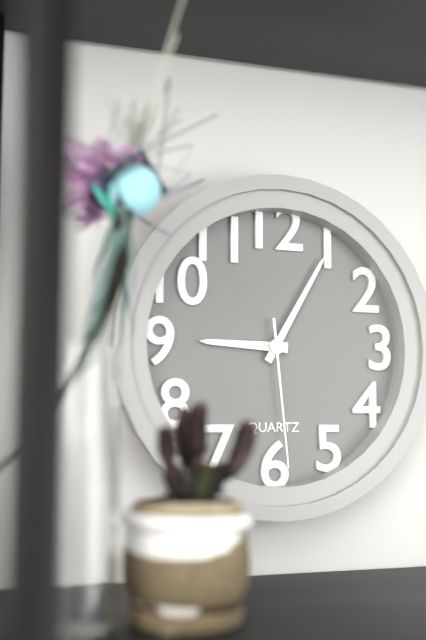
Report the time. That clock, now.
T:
9:05:29
